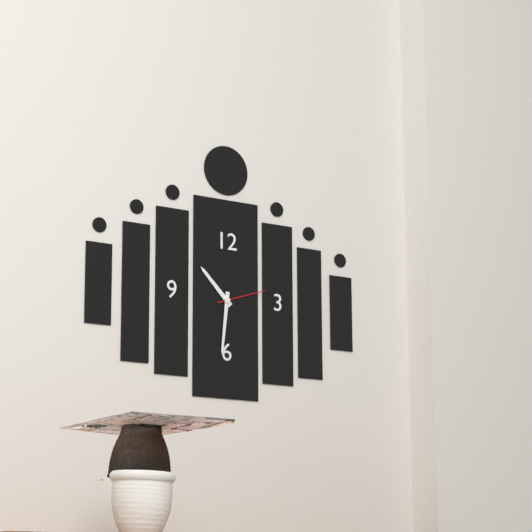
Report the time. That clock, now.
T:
10:31:12
